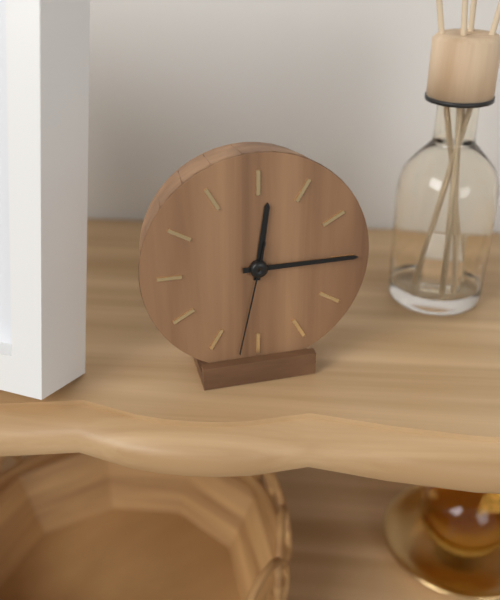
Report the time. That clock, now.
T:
12:15:32
